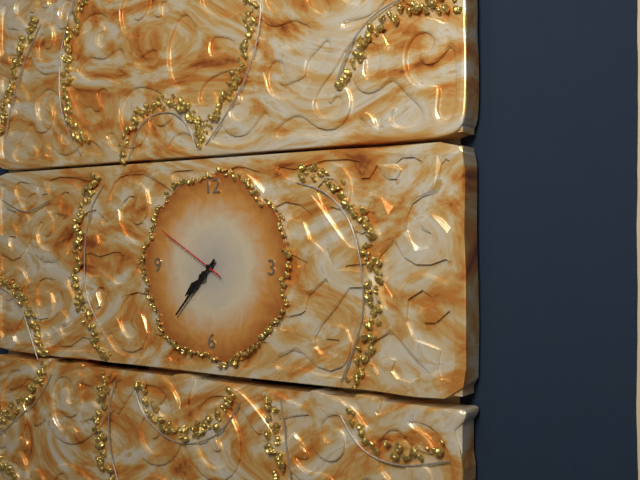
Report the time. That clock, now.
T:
7:37:50
